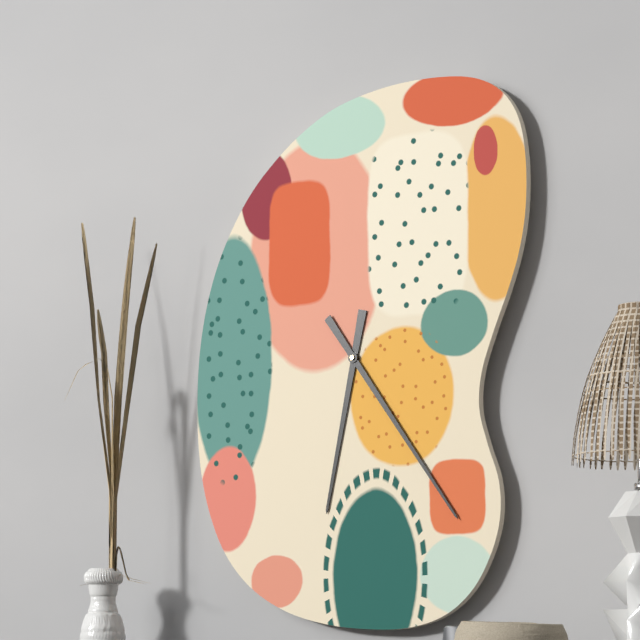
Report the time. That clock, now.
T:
6:24
